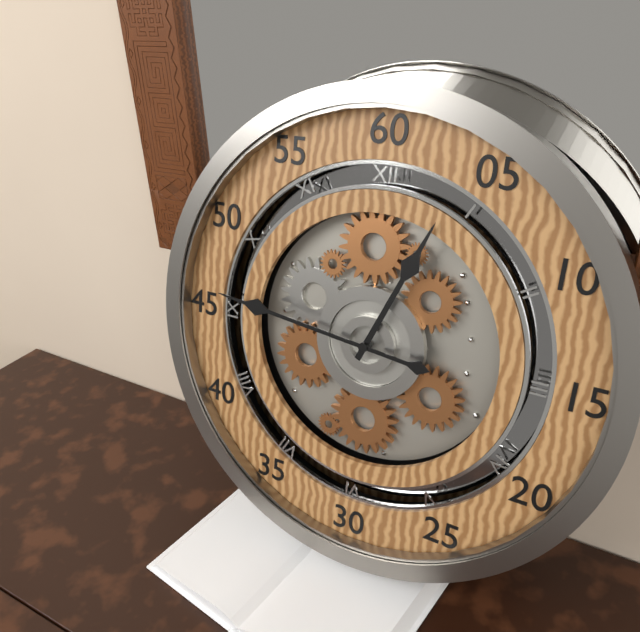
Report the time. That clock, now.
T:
12:46
